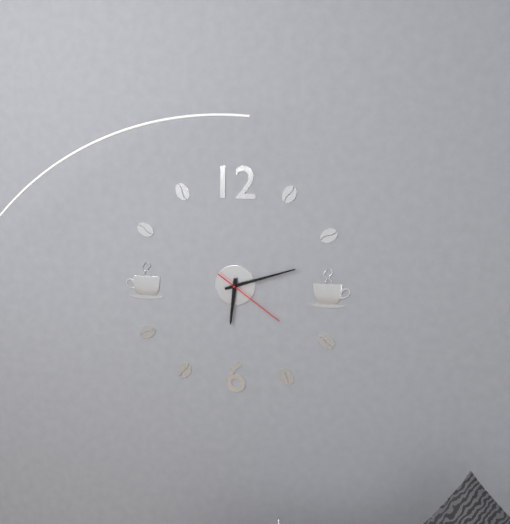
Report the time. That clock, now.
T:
6:12:21
